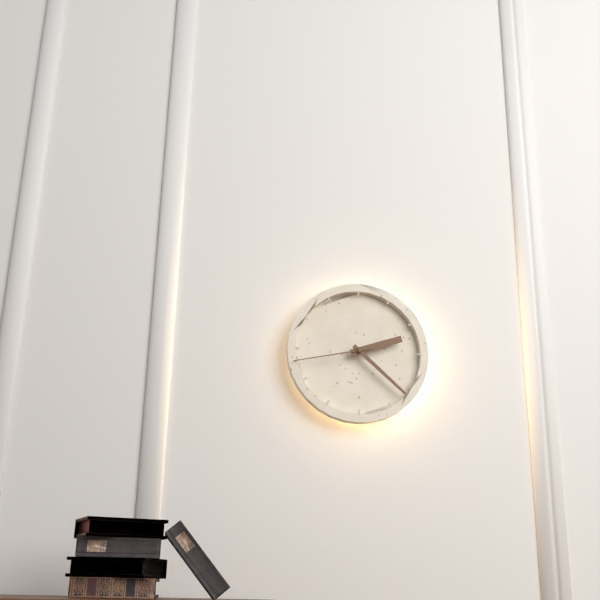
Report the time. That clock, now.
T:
2:22:43
